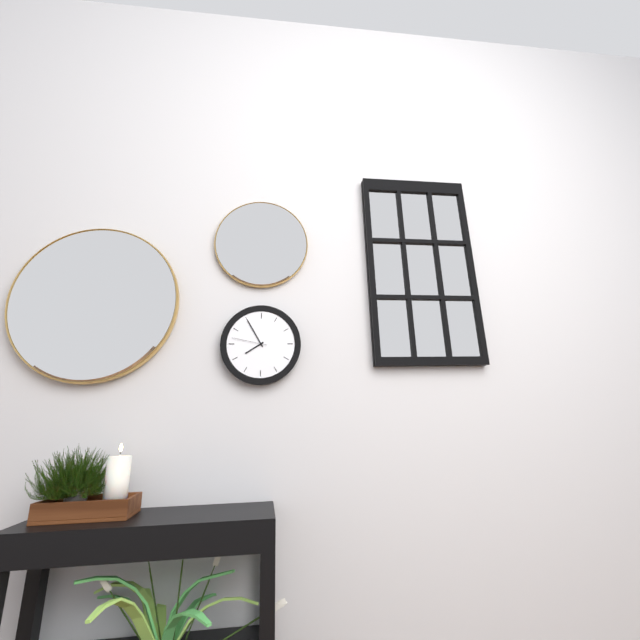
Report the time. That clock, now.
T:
7:55
